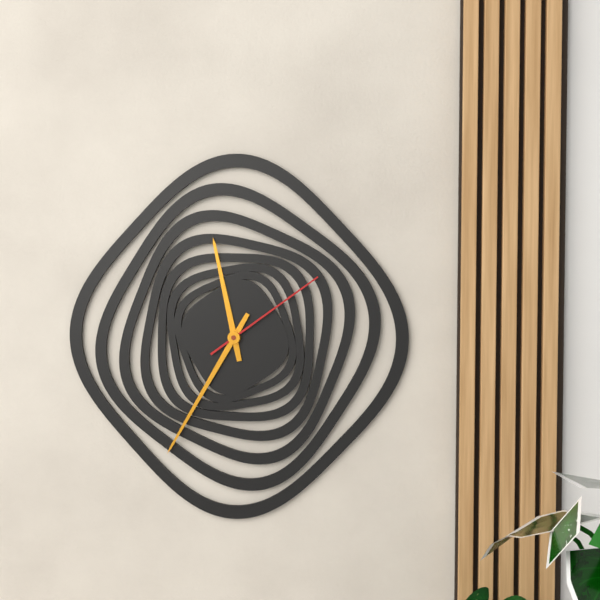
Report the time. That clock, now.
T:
11:35:09
